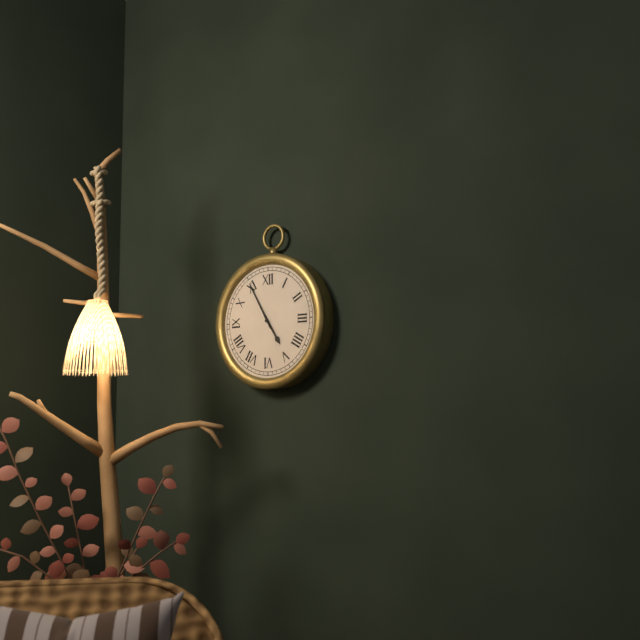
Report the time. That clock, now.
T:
4:55
